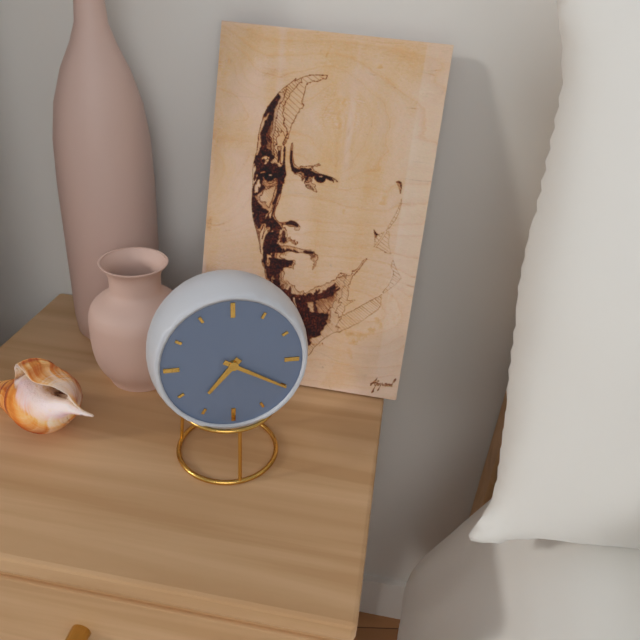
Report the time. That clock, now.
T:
7:20
